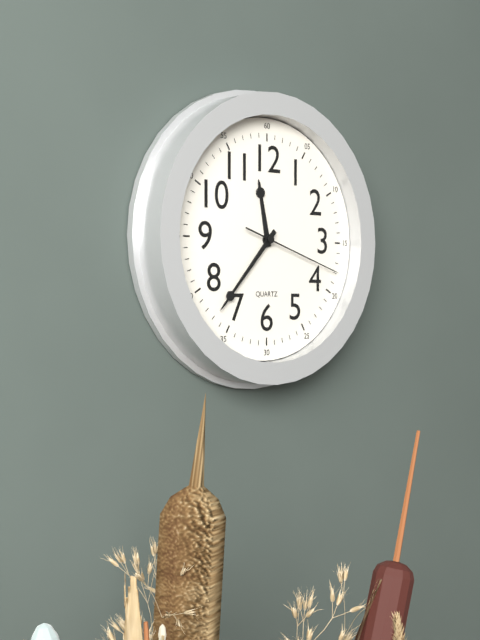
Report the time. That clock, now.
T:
11:37:18
